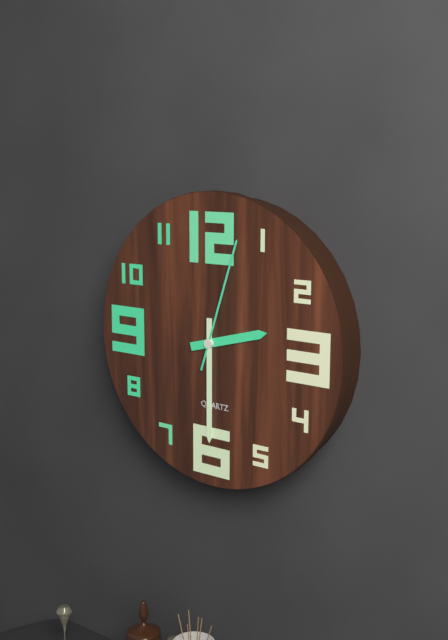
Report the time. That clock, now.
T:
2:30:03
